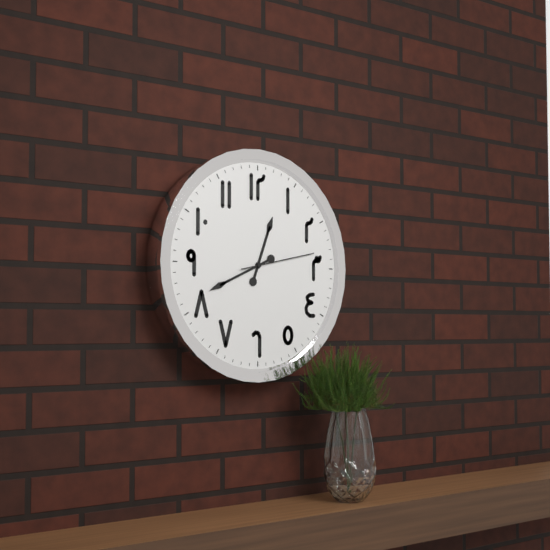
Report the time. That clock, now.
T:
12:41:13
